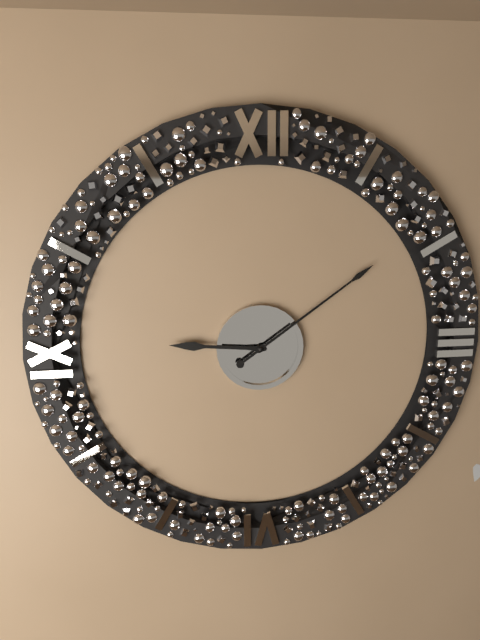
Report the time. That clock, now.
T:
9:09
